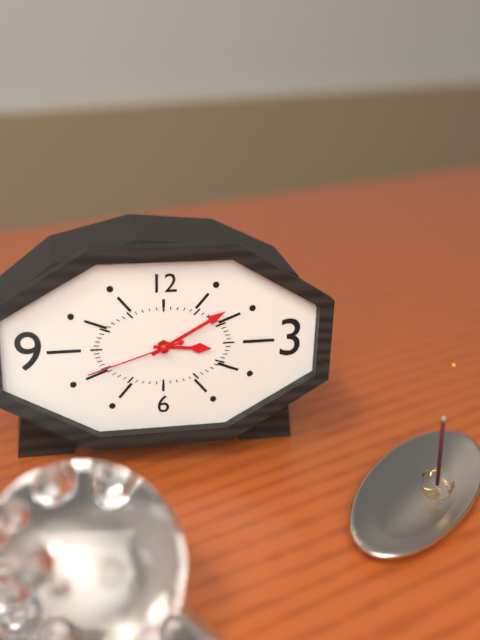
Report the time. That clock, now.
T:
3:10:42
